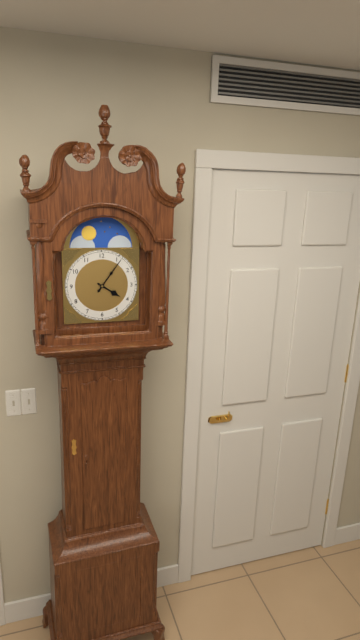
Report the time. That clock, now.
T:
4:06
